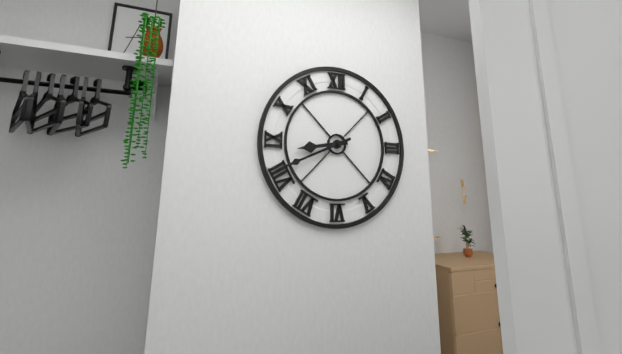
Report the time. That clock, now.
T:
8:41
